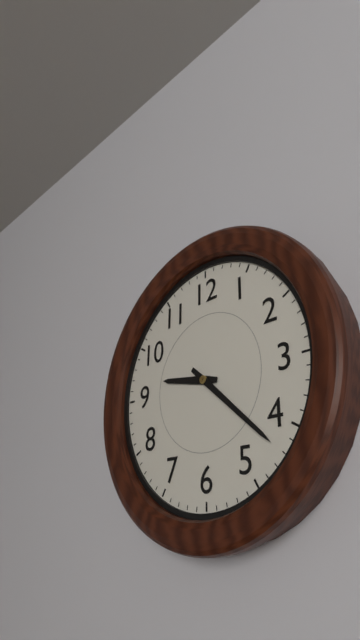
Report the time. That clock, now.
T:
9:22
